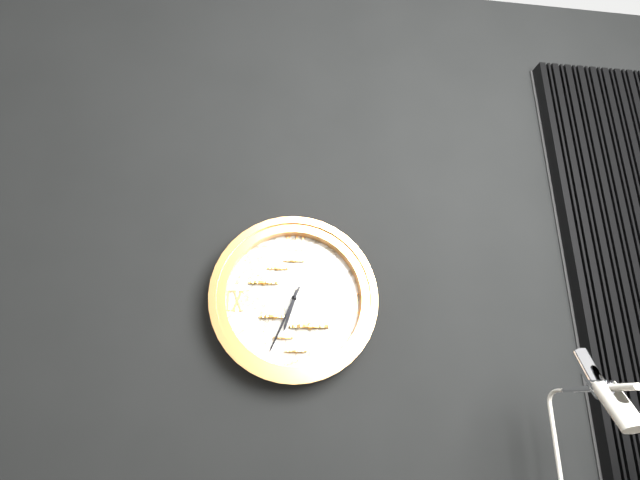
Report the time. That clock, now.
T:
6:34
